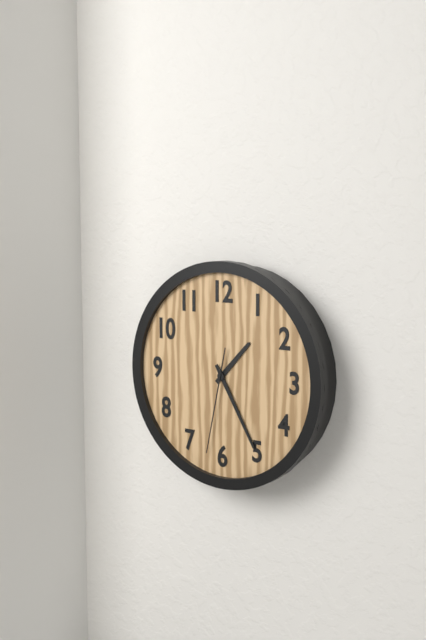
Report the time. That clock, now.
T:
1:25:32
